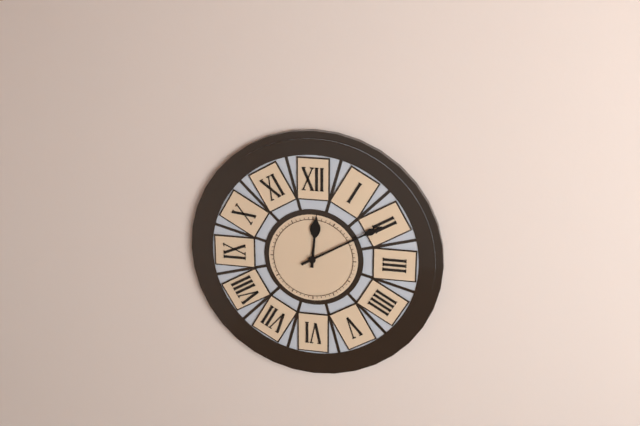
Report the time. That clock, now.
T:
12:10
